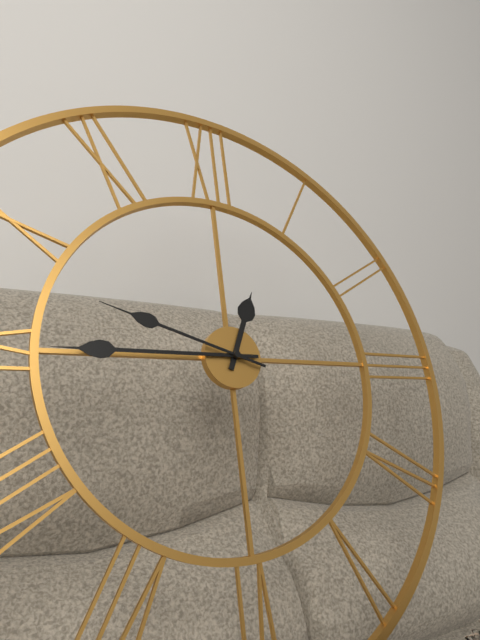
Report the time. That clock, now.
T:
12:45:48
